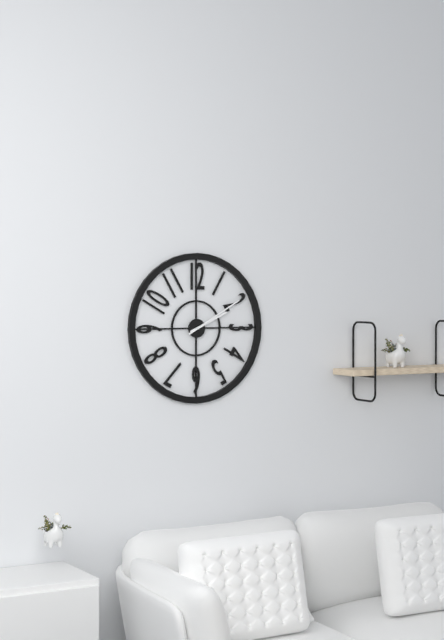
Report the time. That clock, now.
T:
2:10
